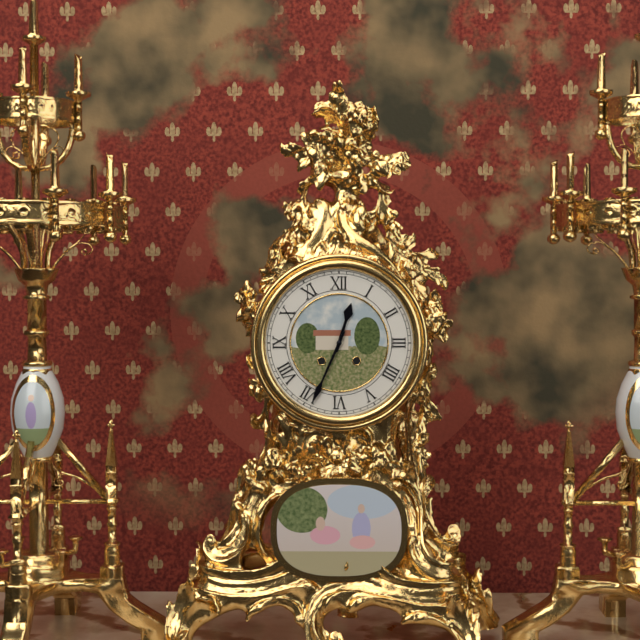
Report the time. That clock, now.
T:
12:34
